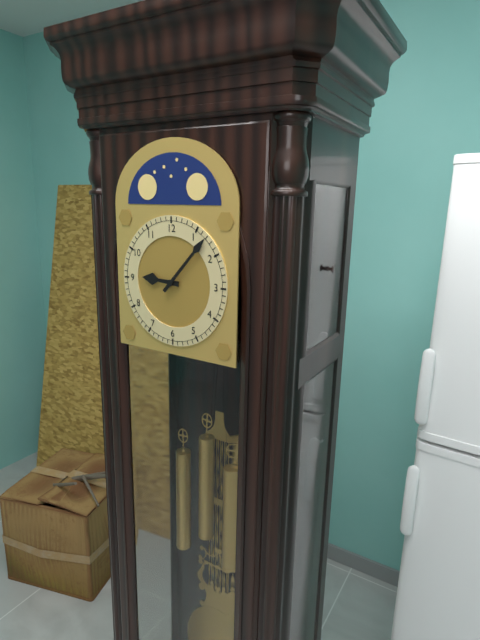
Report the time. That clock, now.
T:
9:07
